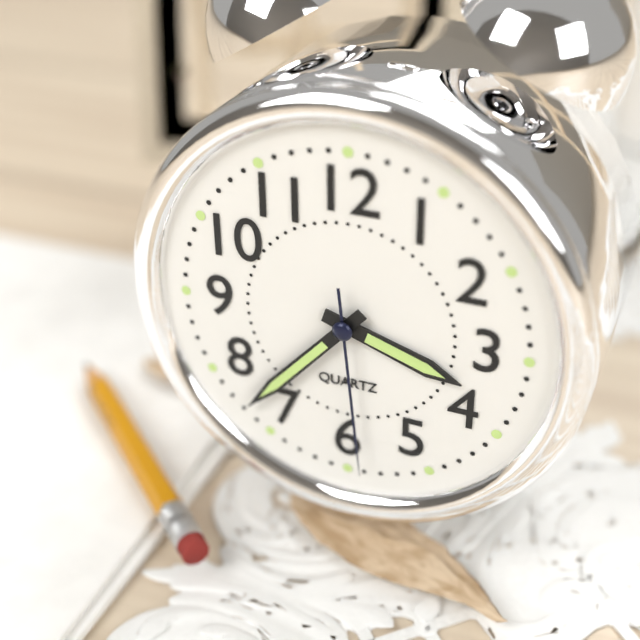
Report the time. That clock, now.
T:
3:37:29
